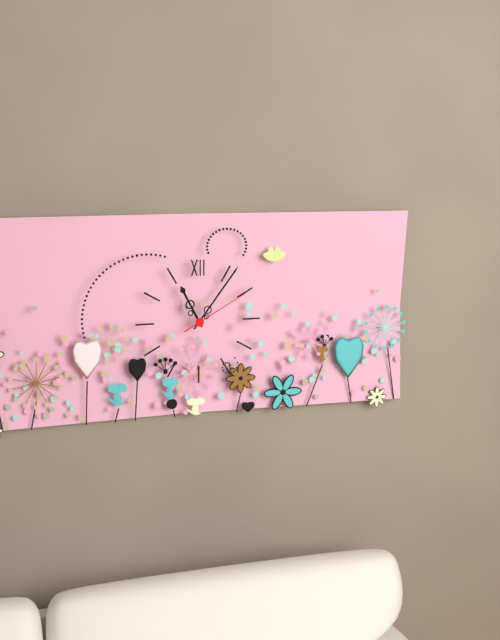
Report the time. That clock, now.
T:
11:06:10
